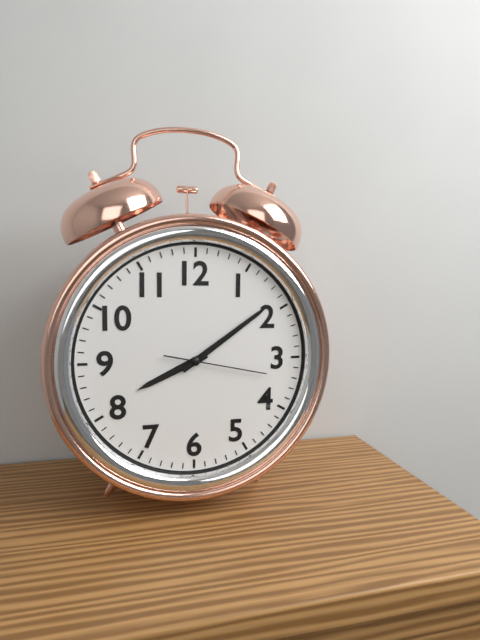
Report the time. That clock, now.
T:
8:09:17
